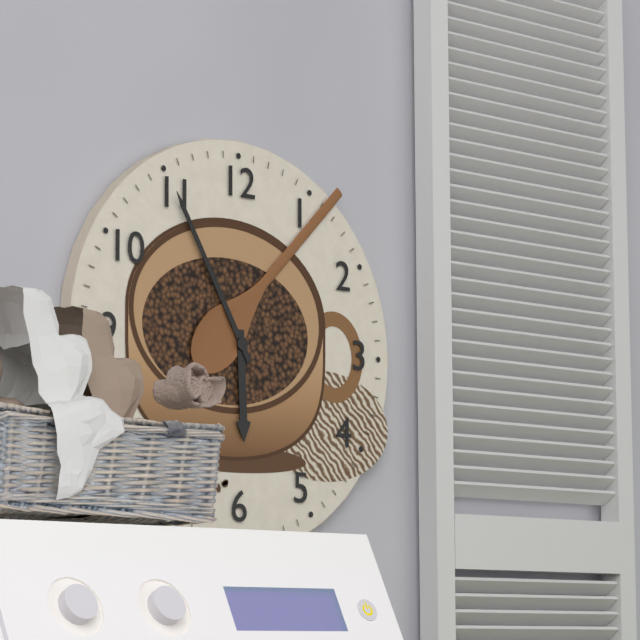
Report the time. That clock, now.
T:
5:55
